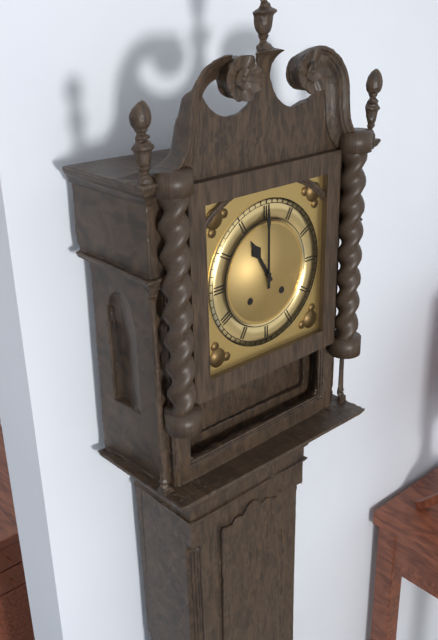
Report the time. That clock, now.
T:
11:00
